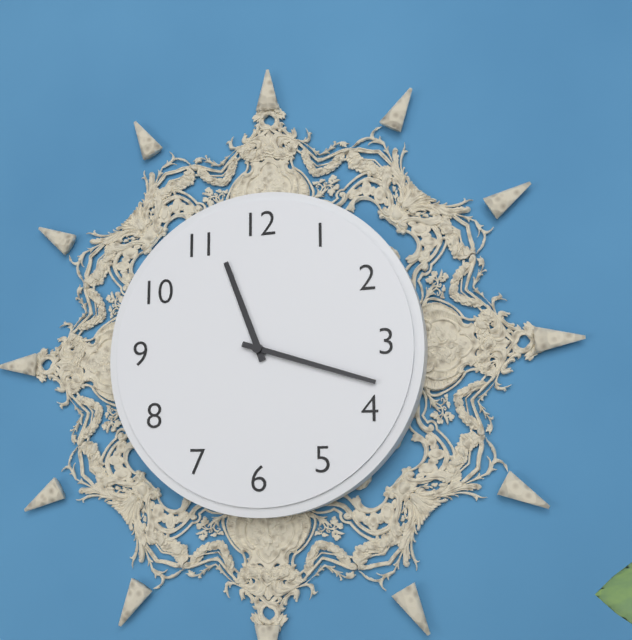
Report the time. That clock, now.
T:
11:18
